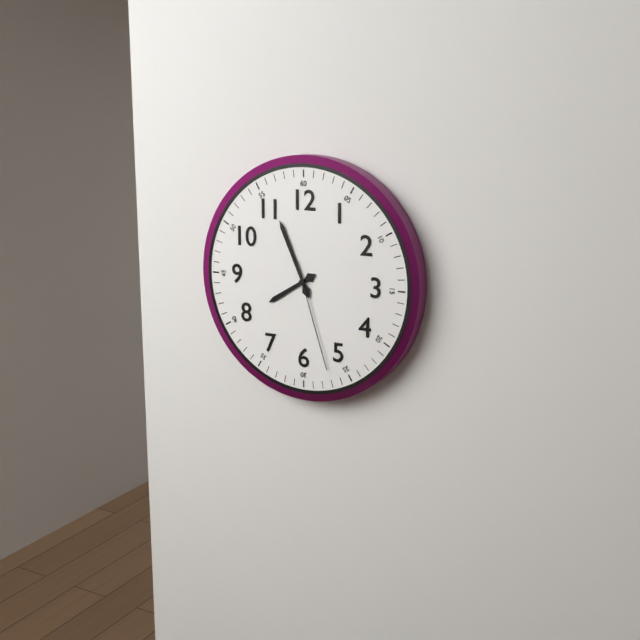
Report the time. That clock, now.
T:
7:56:27
